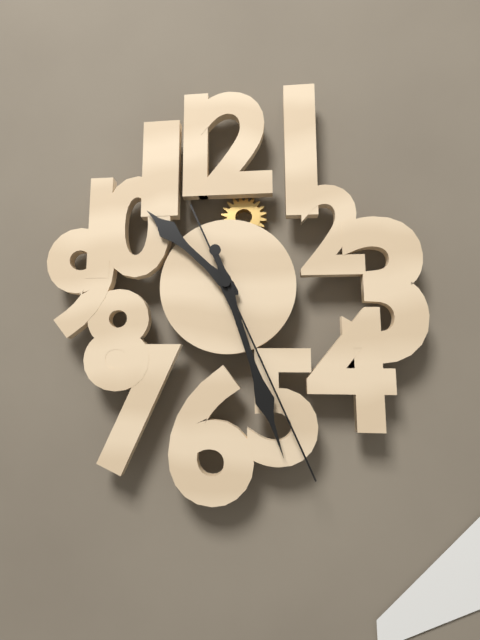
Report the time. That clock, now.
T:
10:27:26
